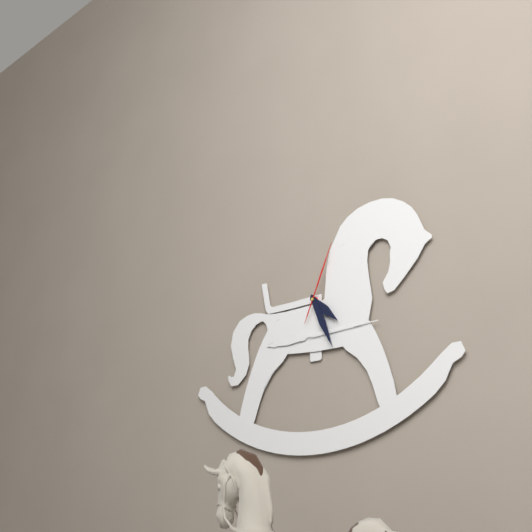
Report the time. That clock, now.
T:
4:26:04
